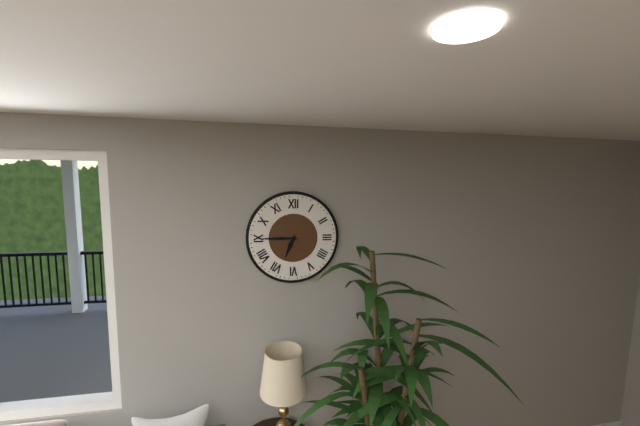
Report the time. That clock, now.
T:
6:45
